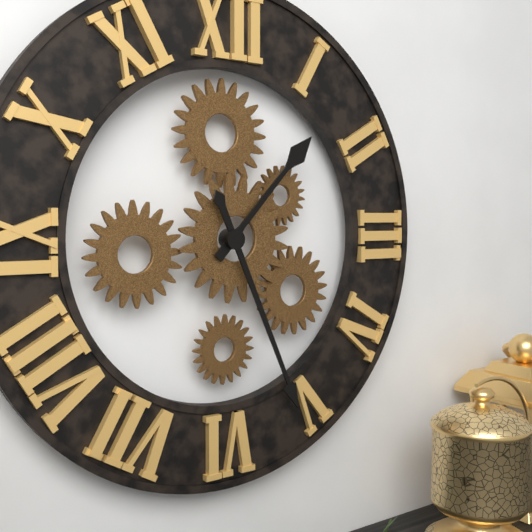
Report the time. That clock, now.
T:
1:26
